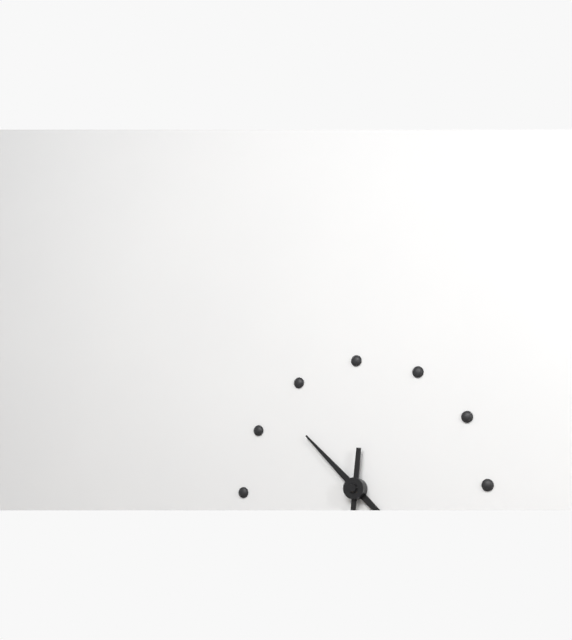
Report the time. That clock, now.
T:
10:31
